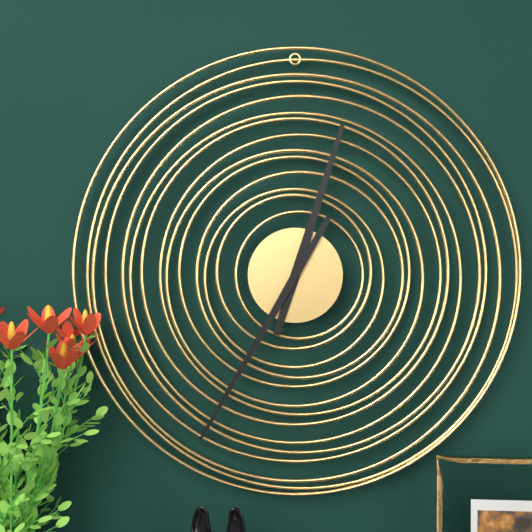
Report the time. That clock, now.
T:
12:35
